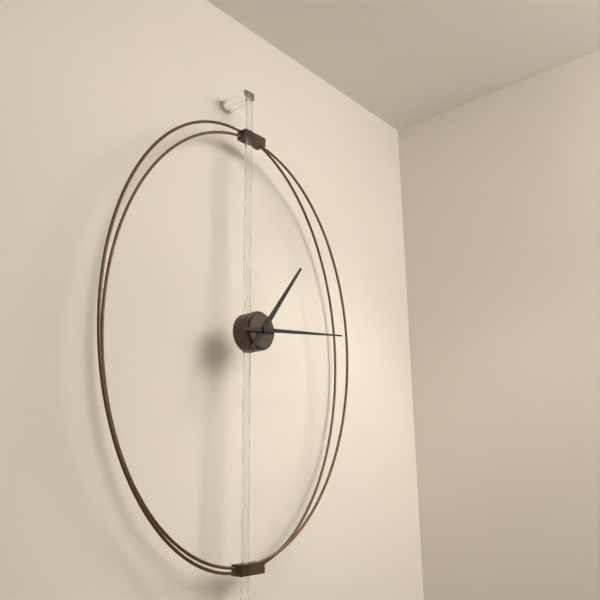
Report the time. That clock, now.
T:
1:14
